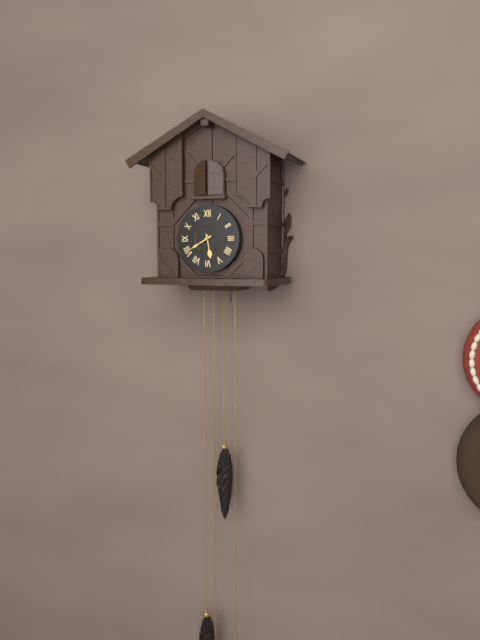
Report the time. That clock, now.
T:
5:40
